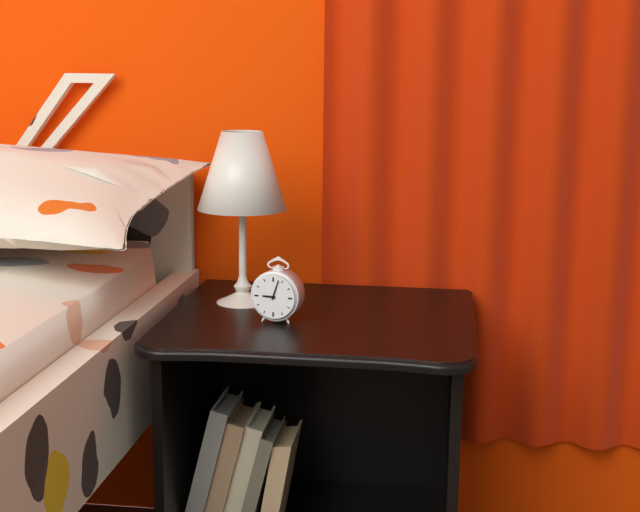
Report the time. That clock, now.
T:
9:03
